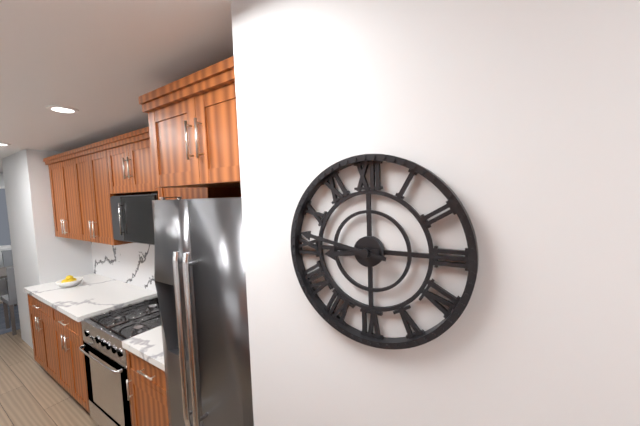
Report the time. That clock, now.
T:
8:47
